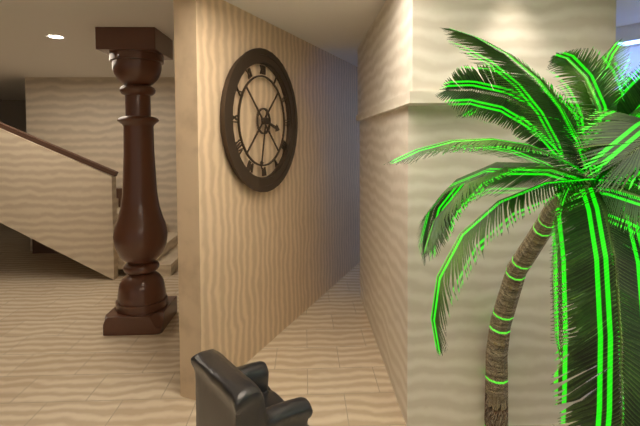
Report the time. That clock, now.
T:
3:32
